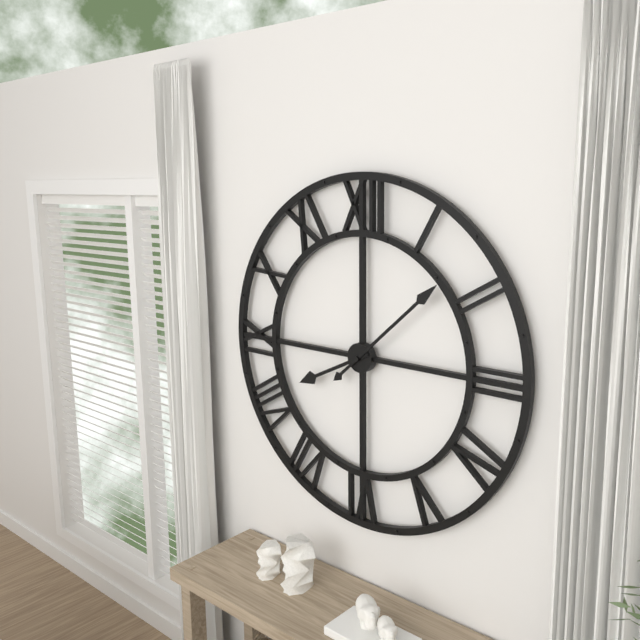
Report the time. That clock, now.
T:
8:08
